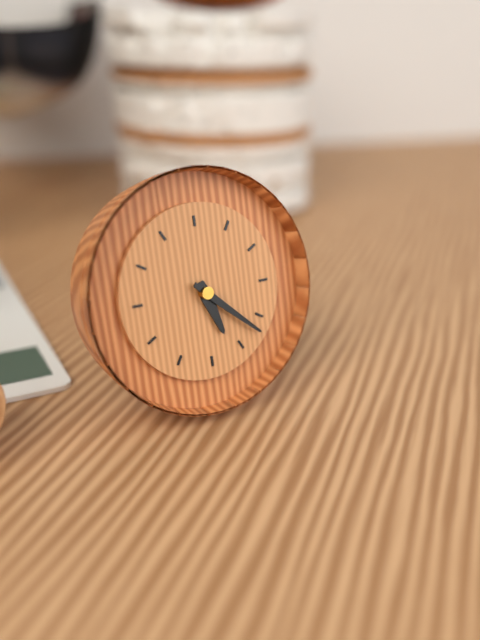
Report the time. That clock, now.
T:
5:22
